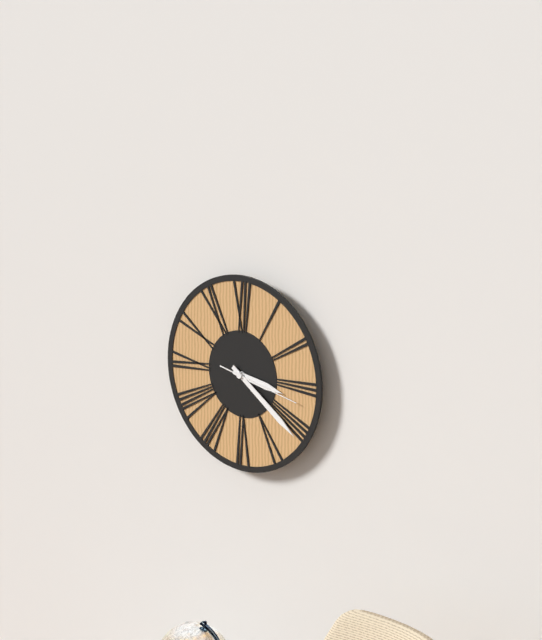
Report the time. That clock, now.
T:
3:21:17
